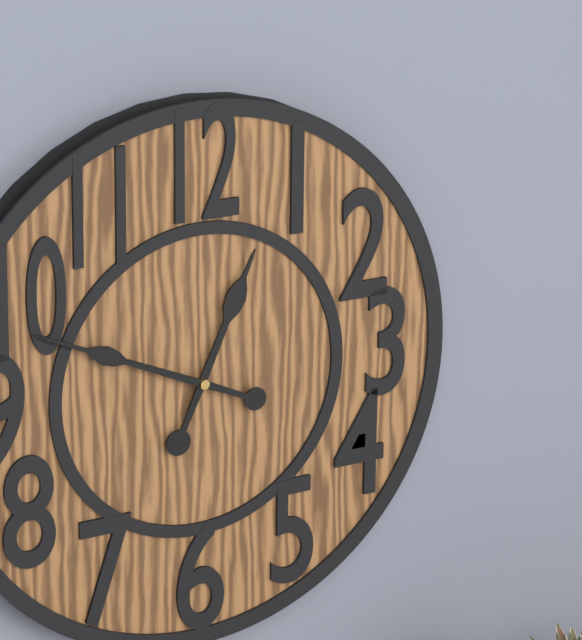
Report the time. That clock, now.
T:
12:49
